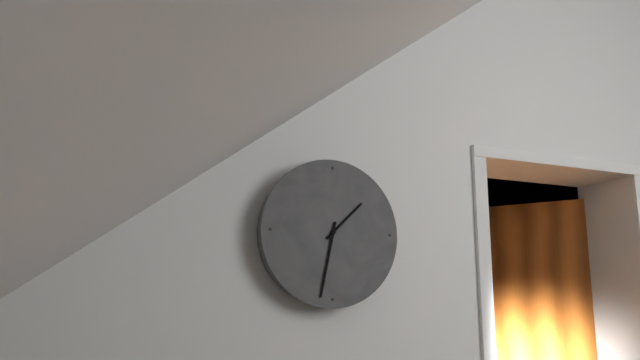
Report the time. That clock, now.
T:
1:32
